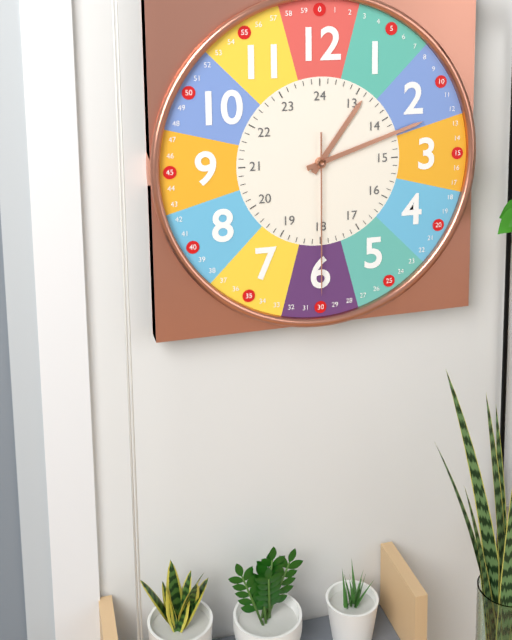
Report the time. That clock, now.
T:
1:12:30
